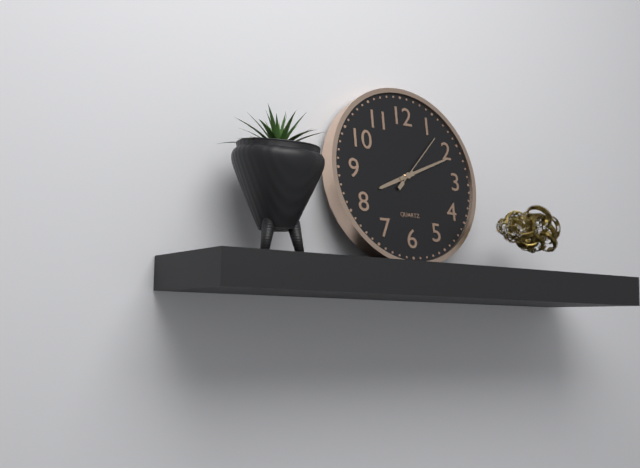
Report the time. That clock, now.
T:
8:11:07
